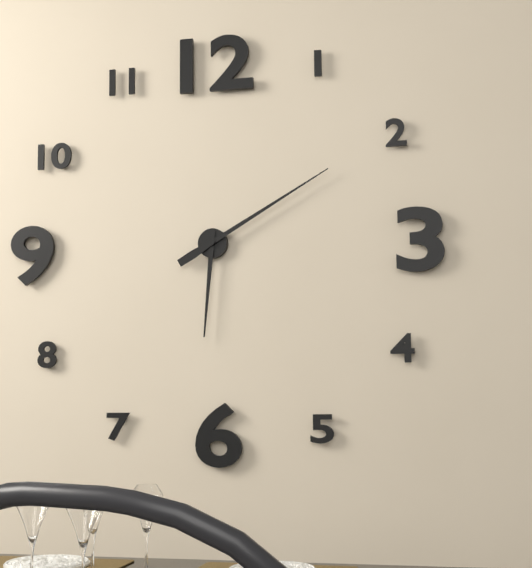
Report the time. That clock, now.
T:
6:10
